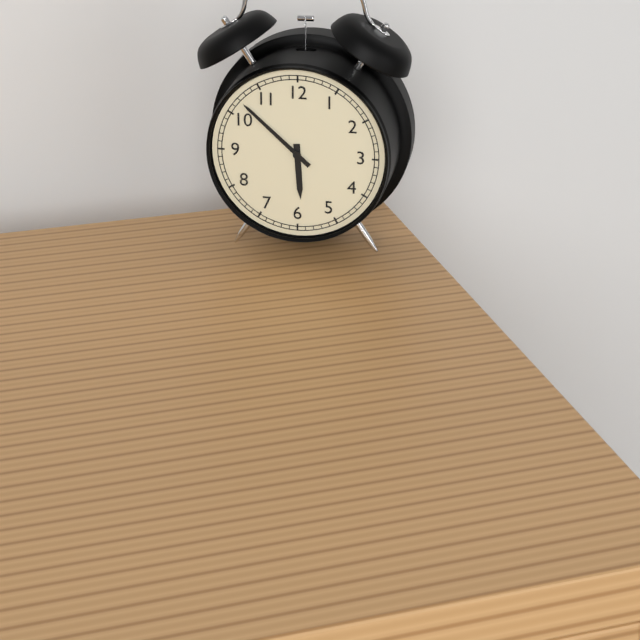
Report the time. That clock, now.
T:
5:52
